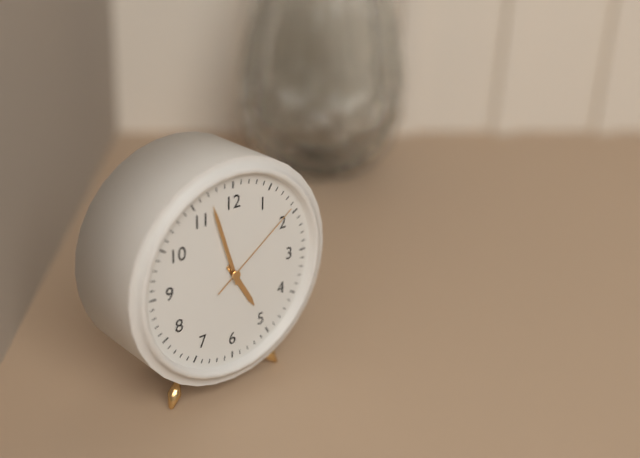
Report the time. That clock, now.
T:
4:57:09
